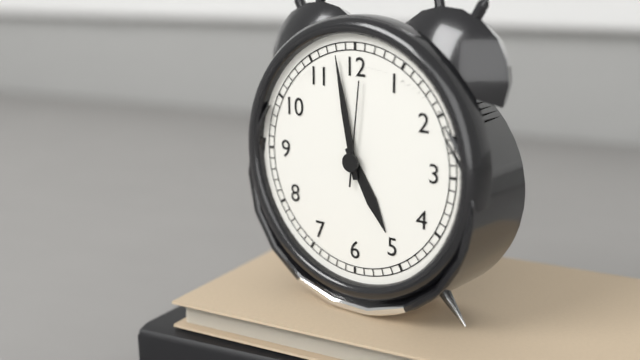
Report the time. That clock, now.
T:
4:58:01
